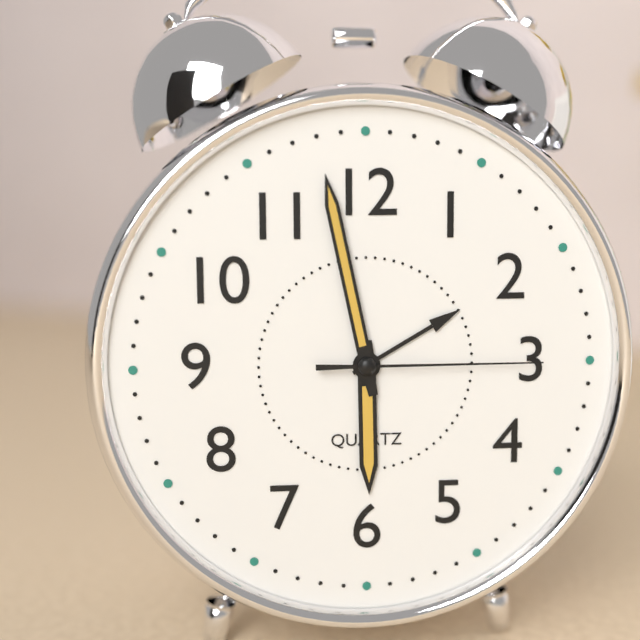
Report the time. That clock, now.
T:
5:58:15
